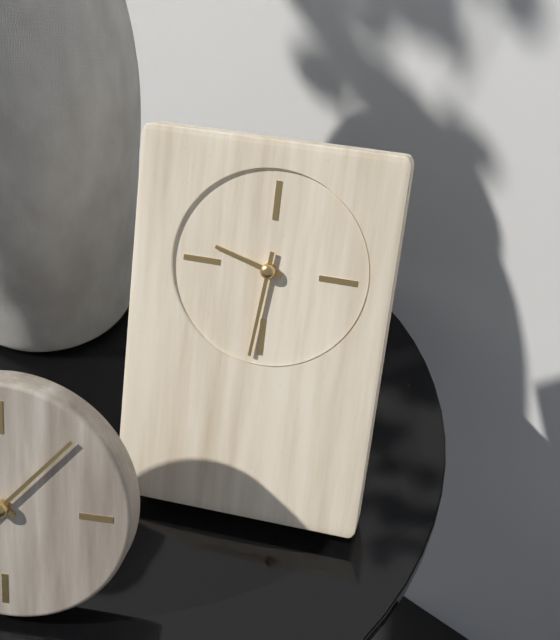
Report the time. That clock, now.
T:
9:31
